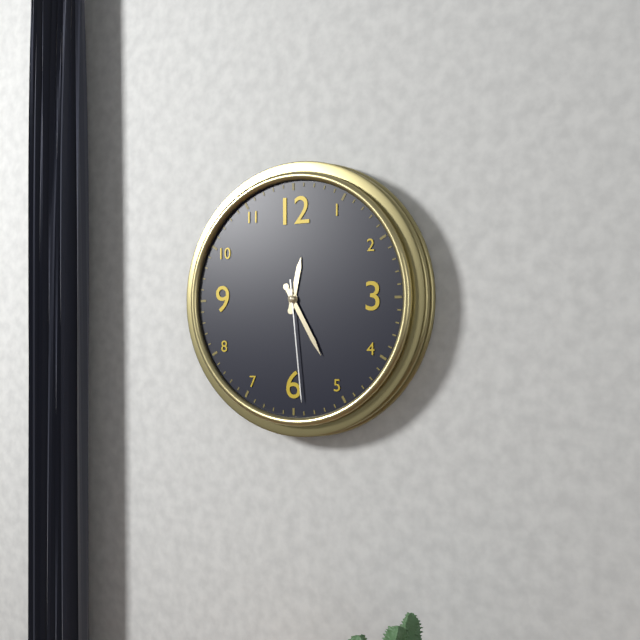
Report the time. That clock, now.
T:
12:25:29
